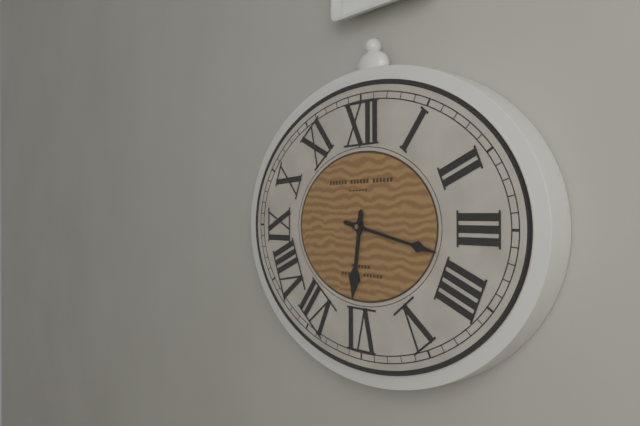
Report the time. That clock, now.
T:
6:17
